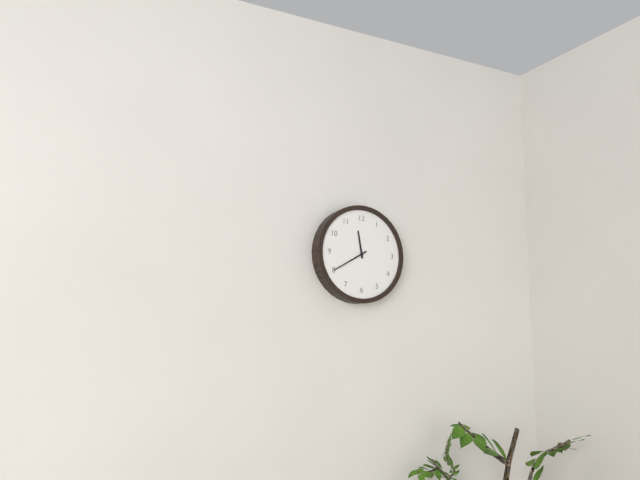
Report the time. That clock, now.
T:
11:40
